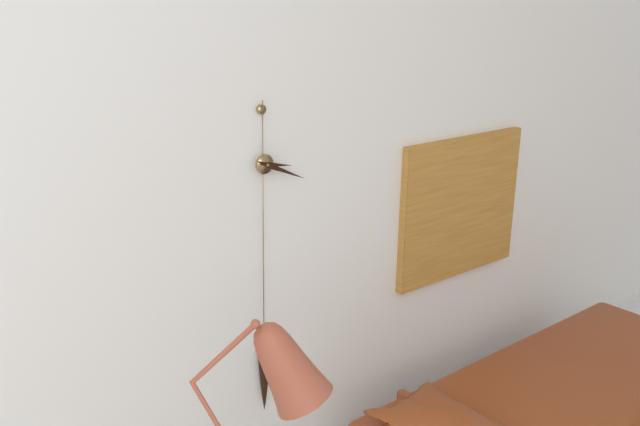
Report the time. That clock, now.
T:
3:19
